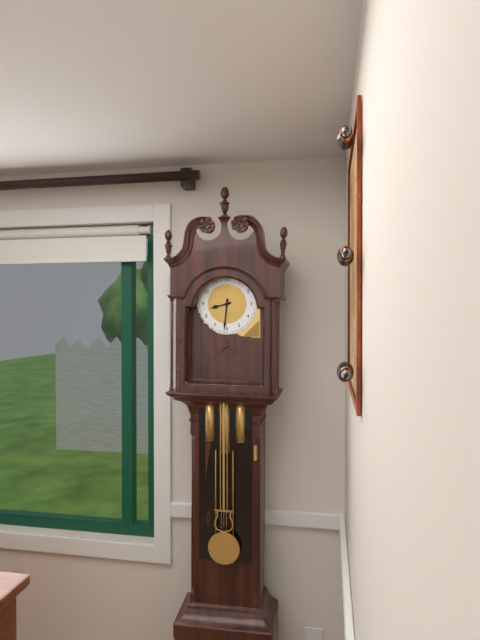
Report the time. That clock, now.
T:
8:31
